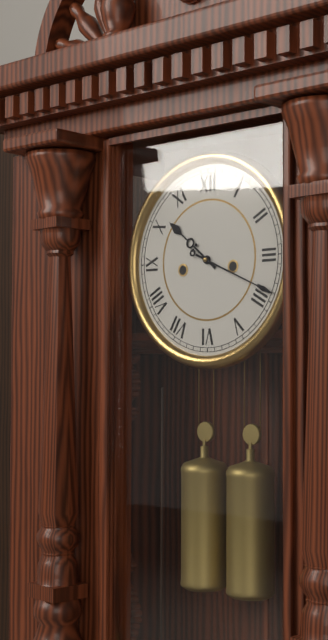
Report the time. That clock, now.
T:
10:19
